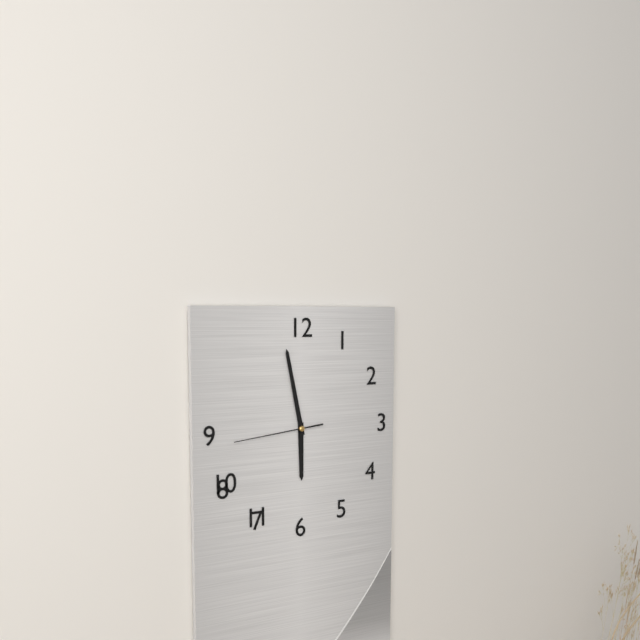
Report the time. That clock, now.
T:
5:58:44
